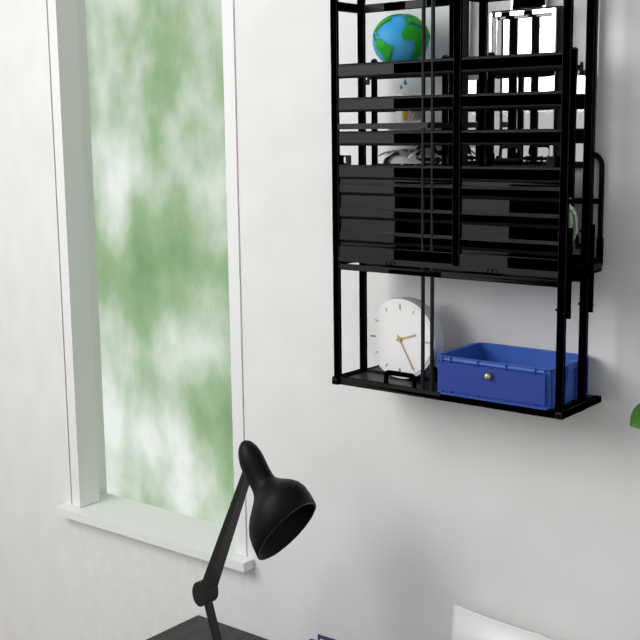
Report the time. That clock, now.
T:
2:25
